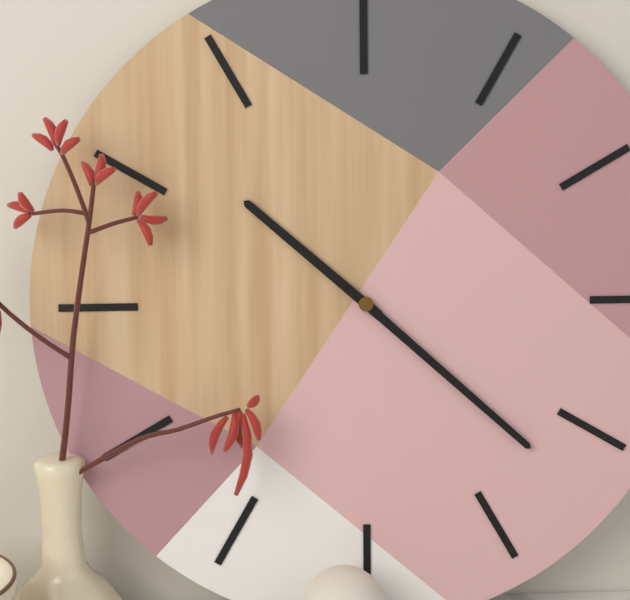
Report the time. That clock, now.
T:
10:22
